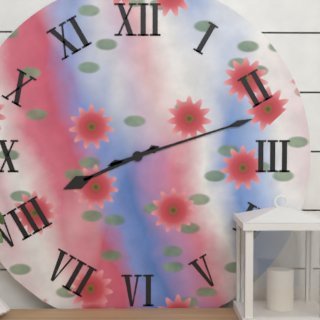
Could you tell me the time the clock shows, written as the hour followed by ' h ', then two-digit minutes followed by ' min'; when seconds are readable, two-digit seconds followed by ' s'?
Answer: 8 h 12 min
